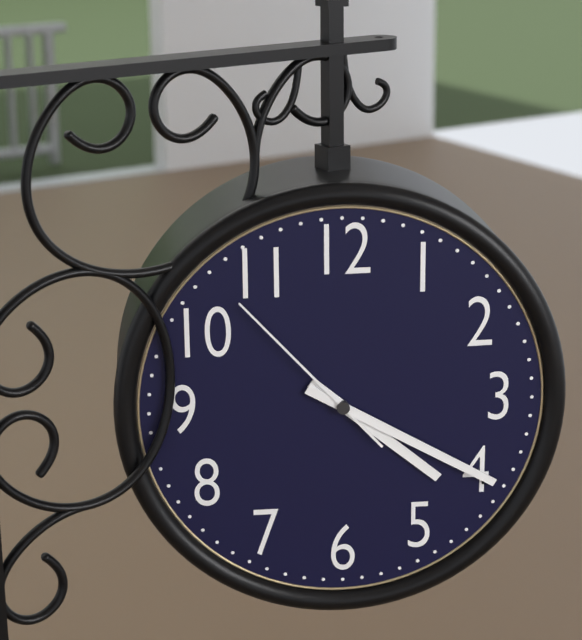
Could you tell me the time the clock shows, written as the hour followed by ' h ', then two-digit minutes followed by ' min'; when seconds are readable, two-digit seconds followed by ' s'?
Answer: 4 h 20 min 53 s
